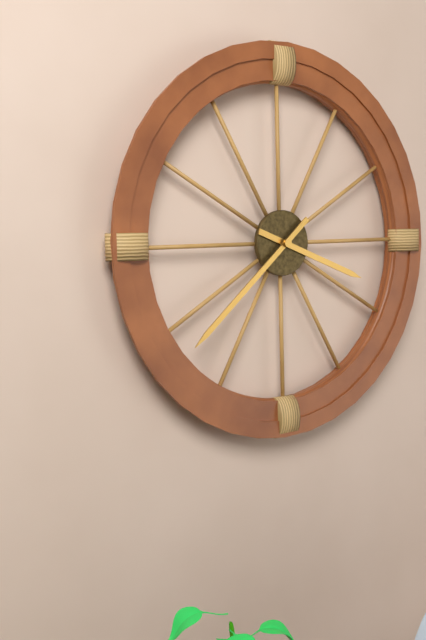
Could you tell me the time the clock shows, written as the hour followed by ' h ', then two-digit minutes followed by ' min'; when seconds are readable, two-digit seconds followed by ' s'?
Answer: 3 h 38 min
